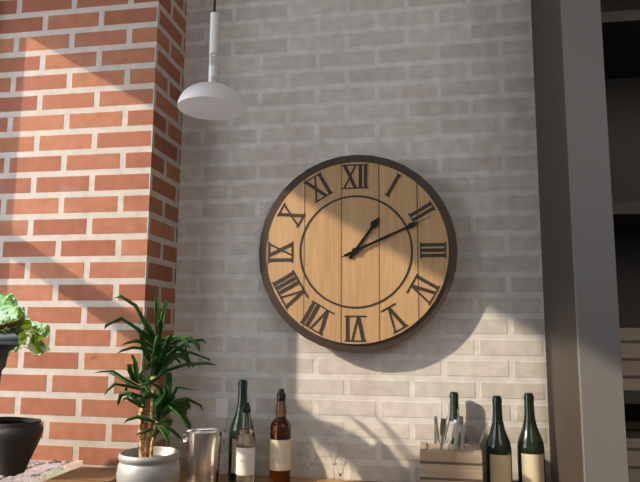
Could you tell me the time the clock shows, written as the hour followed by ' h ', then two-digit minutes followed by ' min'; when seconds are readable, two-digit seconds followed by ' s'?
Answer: 1 h 11 min 11 s
